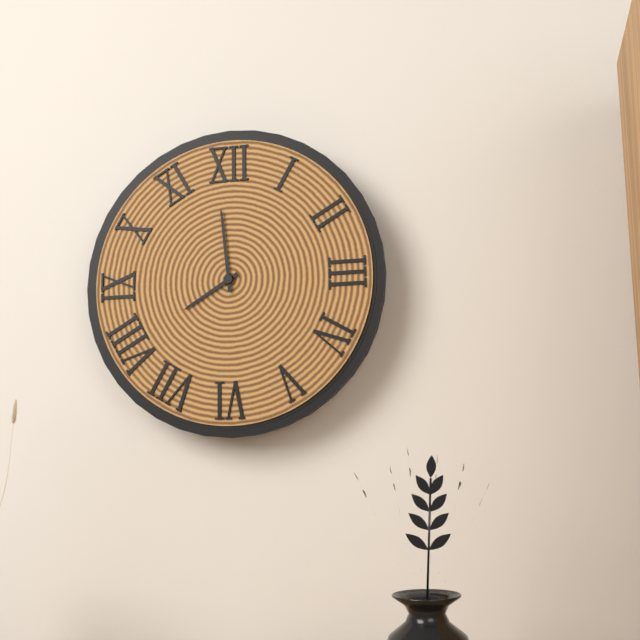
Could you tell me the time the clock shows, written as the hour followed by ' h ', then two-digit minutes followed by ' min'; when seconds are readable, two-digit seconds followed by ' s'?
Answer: 7 h 59 min
